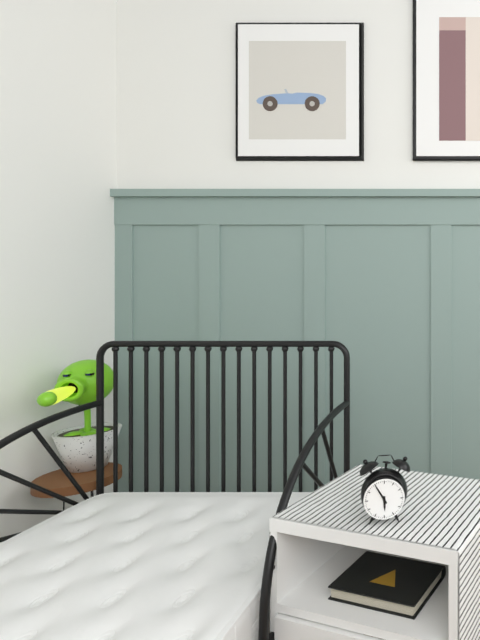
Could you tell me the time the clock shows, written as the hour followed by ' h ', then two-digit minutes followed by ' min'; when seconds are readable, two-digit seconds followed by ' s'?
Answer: 5 h 55 min
